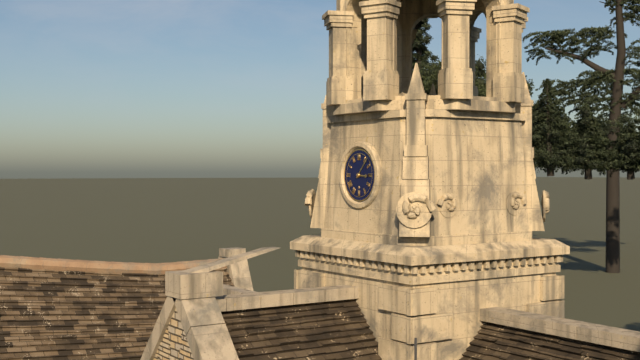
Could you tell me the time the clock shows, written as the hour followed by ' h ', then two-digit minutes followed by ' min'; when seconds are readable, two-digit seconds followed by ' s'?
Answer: 3 h 07 min
